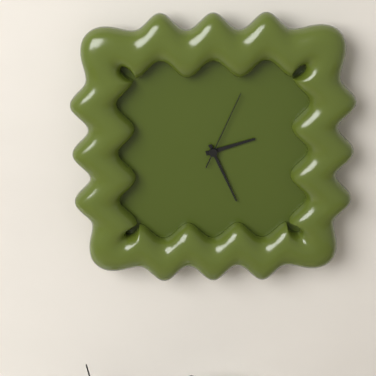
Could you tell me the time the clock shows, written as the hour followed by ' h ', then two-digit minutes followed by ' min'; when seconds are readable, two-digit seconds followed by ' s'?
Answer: 2 h 26 min 04 s
